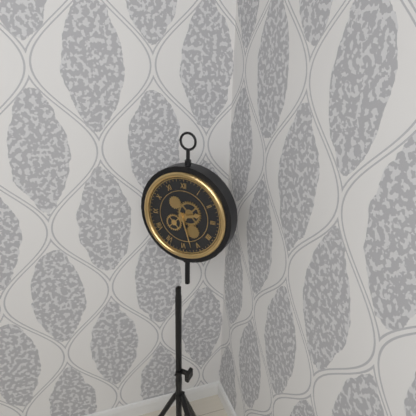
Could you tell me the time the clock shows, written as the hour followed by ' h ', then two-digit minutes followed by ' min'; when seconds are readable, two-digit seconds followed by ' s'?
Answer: 2 h 27 min
